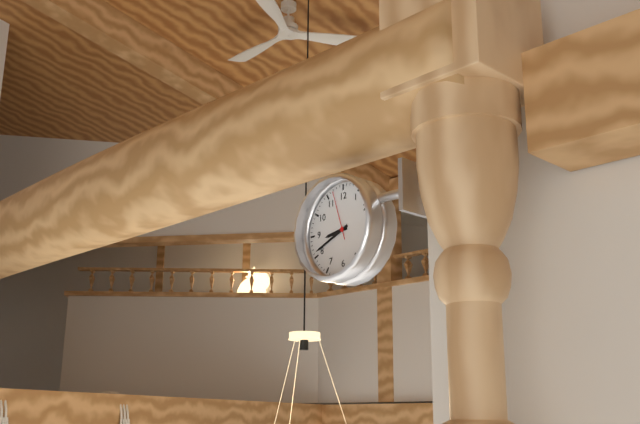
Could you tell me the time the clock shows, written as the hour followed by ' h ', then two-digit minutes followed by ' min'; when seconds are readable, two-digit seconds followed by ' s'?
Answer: 8 h 41 min
